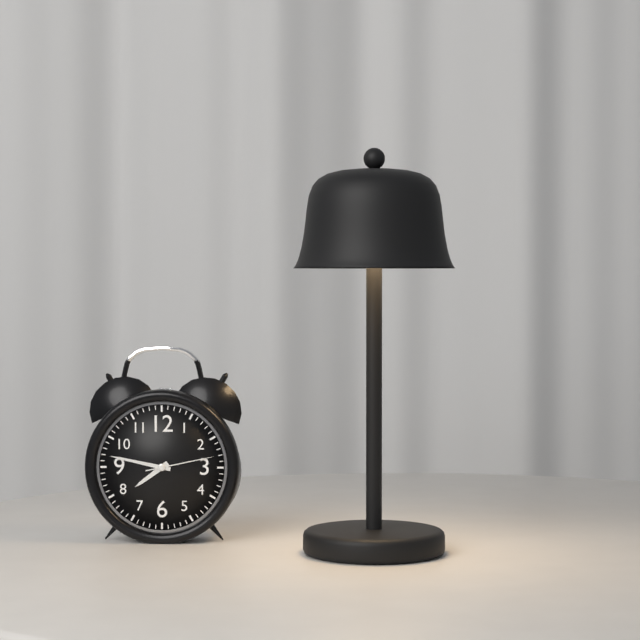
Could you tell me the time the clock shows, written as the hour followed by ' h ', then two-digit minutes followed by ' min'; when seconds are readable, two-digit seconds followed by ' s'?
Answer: 7 h 47 min 13 s
